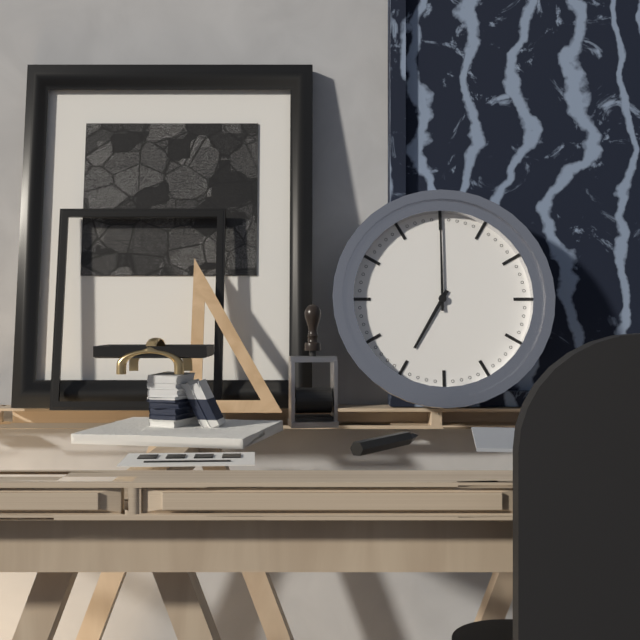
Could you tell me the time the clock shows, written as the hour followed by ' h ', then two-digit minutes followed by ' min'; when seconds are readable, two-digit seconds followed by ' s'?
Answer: 7 h 00 min
